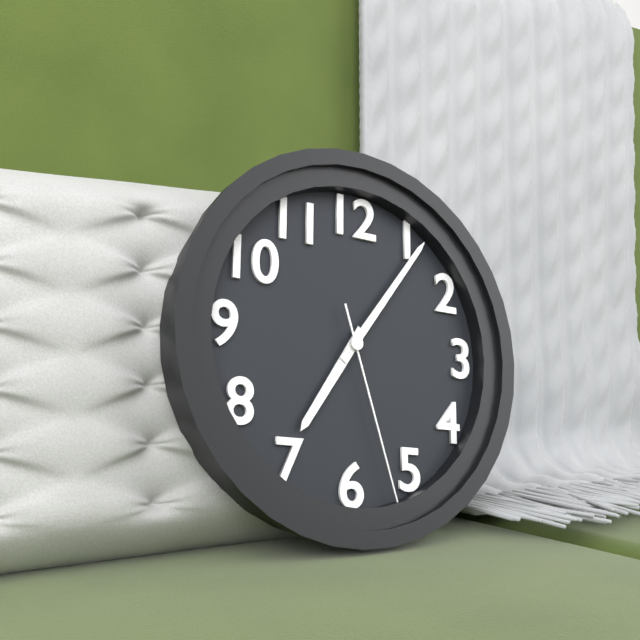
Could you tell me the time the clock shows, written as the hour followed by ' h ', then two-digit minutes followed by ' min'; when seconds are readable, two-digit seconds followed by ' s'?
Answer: 7 h 06 min 27 s
